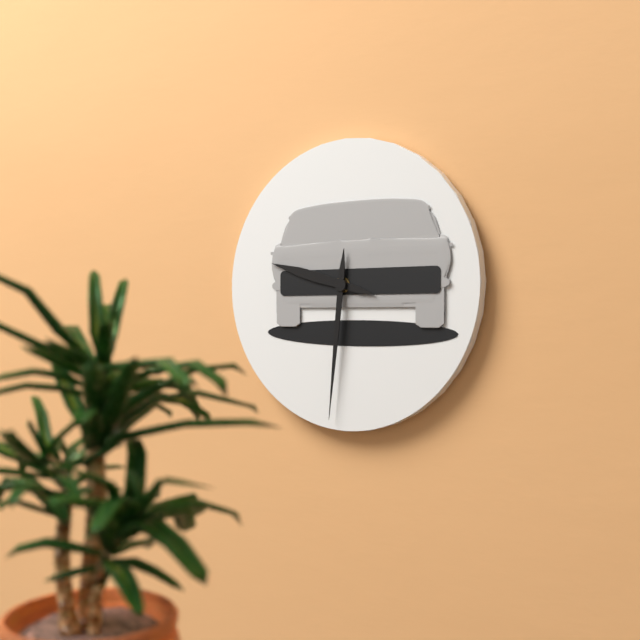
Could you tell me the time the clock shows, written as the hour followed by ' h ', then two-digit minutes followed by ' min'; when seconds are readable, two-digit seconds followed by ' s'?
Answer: 9 h 31 min
